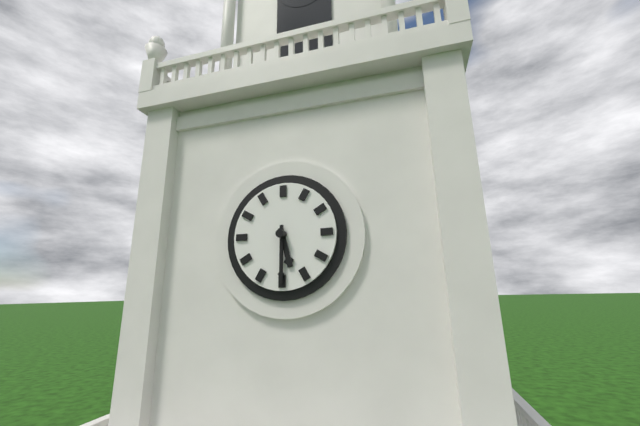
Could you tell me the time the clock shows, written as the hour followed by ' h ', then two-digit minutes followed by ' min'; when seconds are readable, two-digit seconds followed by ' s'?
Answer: 5 h 30 min
